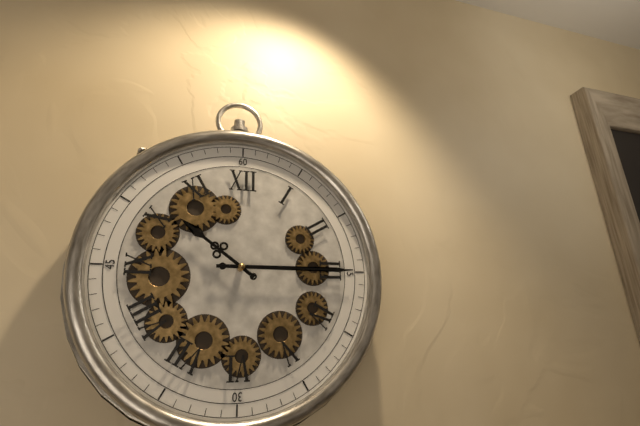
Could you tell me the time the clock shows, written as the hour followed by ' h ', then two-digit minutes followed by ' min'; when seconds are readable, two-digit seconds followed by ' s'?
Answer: 10 h 15 min
